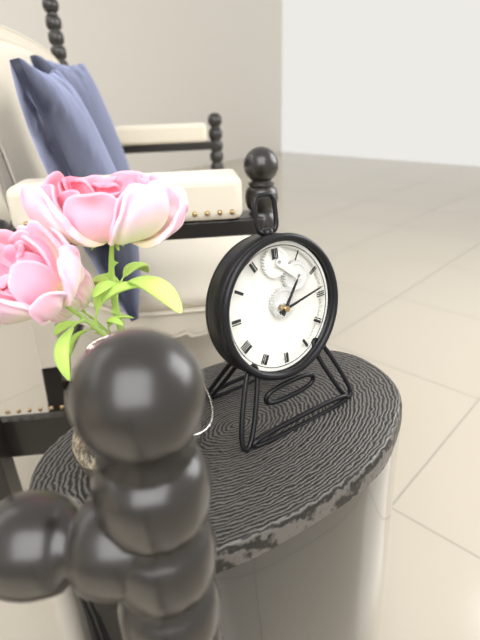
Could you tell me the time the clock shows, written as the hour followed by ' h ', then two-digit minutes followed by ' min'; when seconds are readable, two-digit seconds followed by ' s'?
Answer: 1 h 13 min
